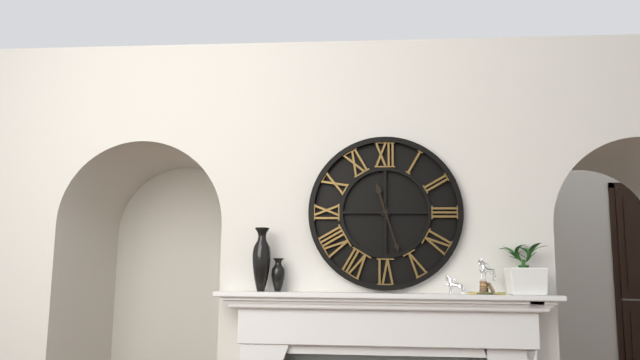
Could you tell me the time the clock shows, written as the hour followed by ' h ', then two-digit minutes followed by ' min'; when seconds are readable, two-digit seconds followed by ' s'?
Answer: 11 h 27 min
